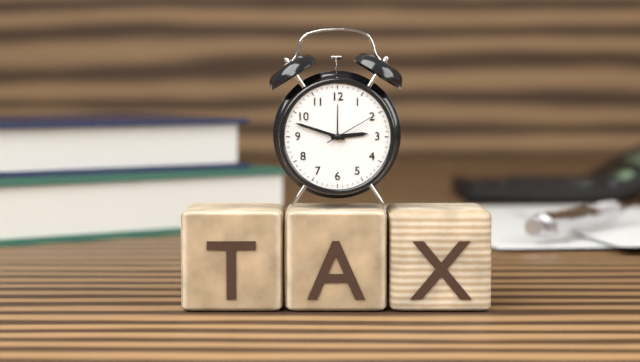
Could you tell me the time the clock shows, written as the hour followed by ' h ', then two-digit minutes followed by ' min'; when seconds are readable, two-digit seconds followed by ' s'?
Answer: 2 h 48 min 10 s
